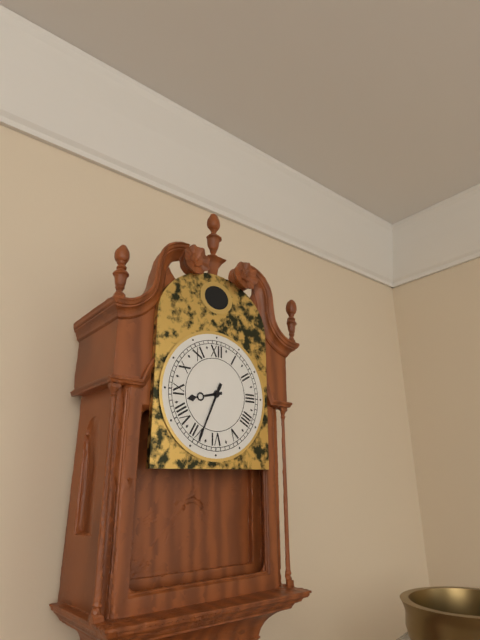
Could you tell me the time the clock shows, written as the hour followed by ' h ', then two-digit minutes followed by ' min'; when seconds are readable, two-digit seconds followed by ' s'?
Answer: 8 h 34 min
